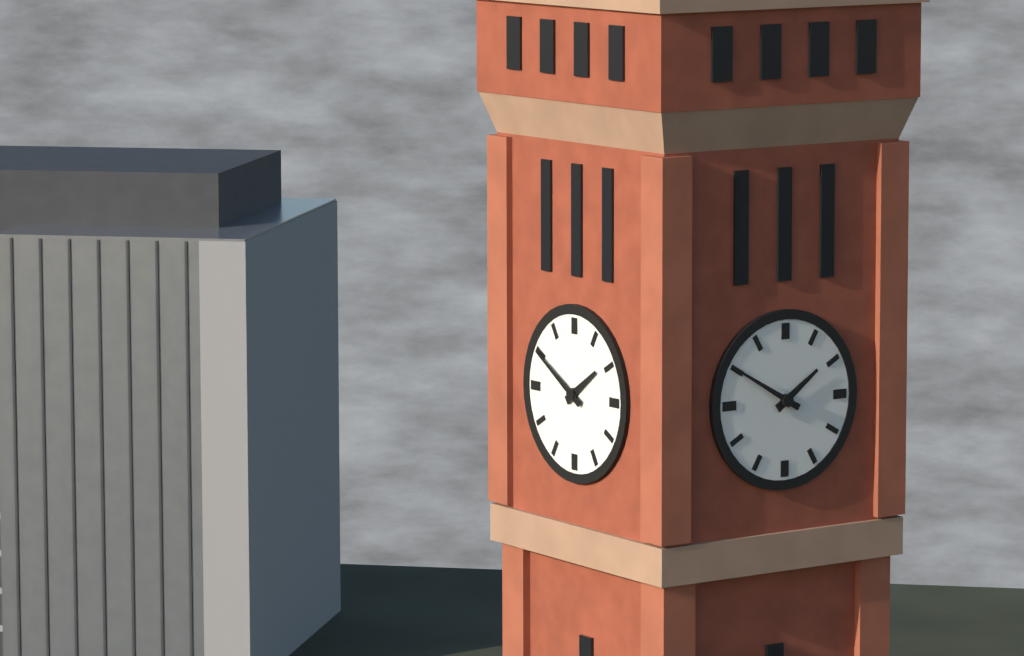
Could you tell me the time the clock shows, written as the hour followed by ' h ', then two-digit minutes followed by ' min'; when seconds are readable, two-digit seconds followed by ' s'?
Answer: 1 h 50 min
